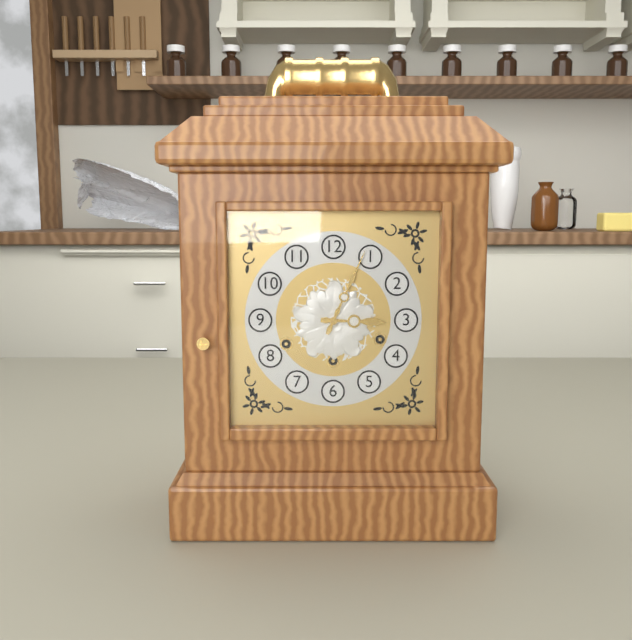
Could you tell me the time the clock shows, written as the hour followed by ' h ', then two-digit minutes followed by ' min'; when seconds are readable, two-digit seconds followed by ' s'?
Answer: 3 h 04 min
